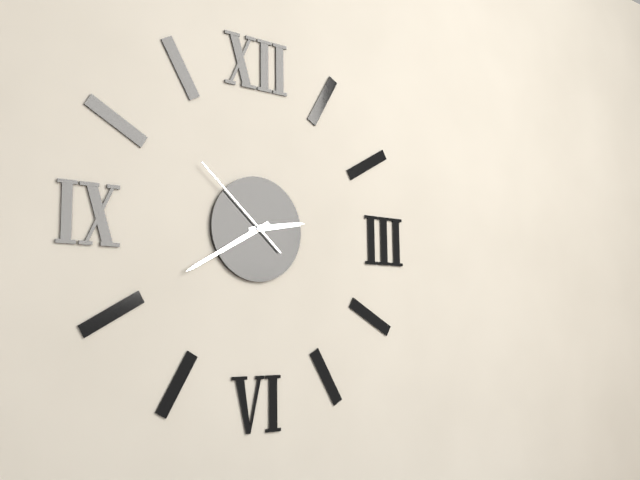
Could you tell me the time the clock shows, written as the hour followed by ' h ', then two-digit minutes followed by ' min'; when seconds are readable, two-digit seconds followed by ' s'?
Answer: 2 h 40 min 52 s
